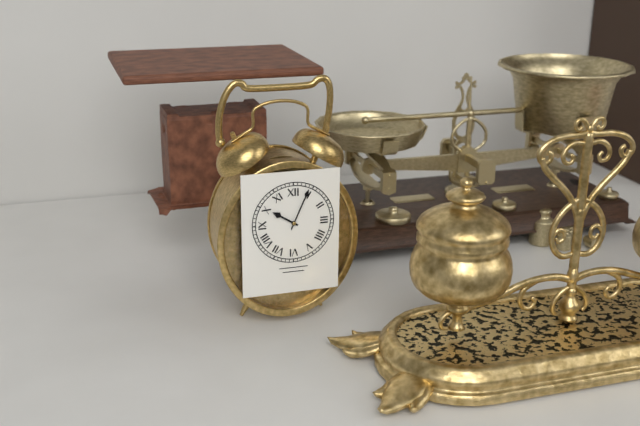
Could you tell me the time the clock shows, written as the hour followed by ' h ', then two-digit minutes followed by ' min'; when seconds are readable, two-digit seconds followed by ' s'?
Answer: 10 h 04 min
